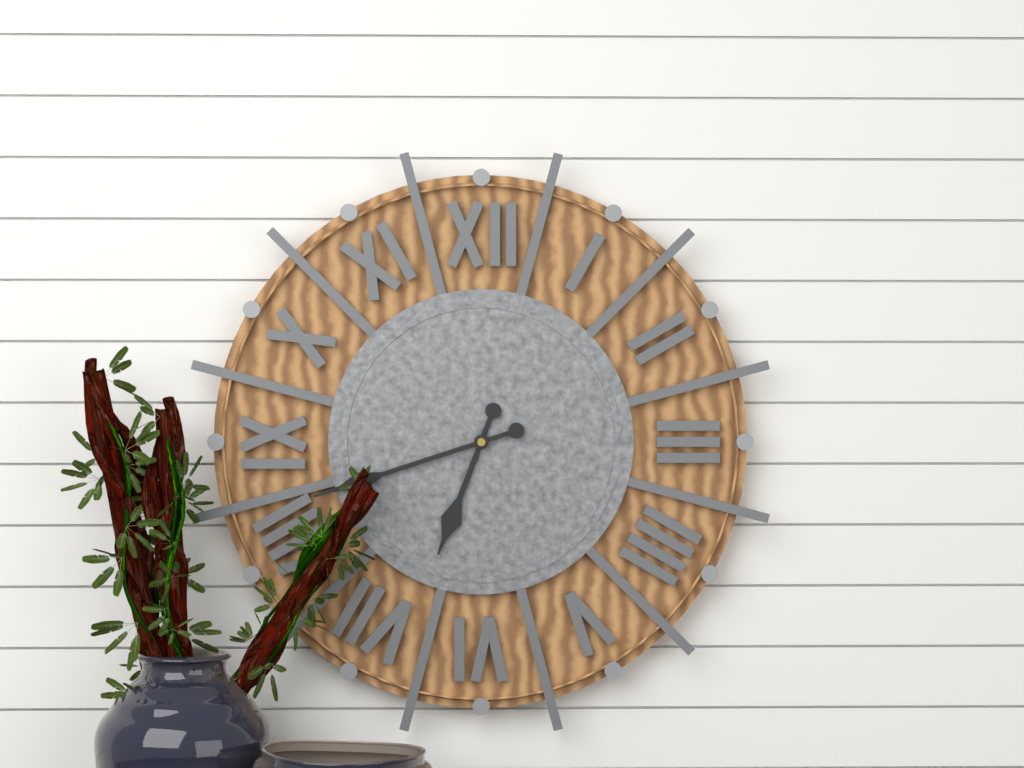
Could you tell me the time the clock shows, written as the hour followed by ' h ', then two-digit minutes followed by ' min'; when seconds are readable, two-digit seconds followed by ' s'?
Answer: 6 h 42 min
